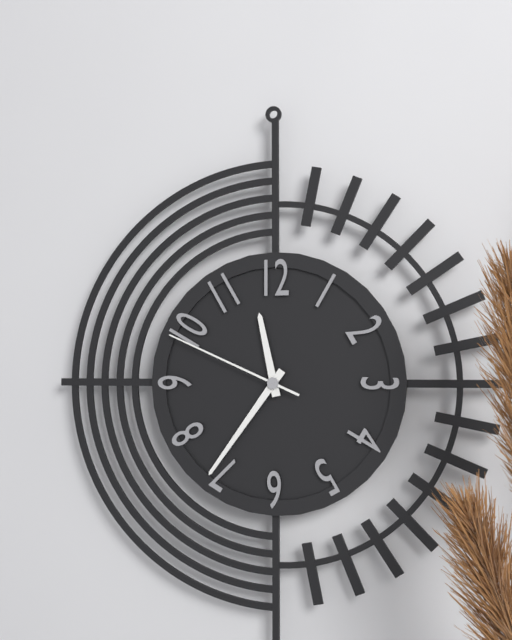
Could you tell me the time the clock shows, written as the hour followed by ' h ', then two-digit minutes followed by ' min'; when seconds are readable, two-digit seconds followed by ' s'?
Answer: 11 h 36 min 49 s
